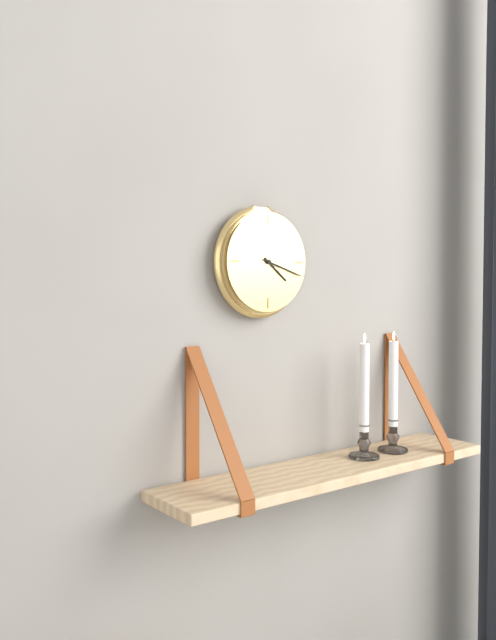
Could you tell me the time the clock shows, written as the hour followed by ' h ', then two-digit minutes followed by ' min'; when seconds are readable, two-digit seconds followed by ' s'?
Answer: 4 h 18 min
